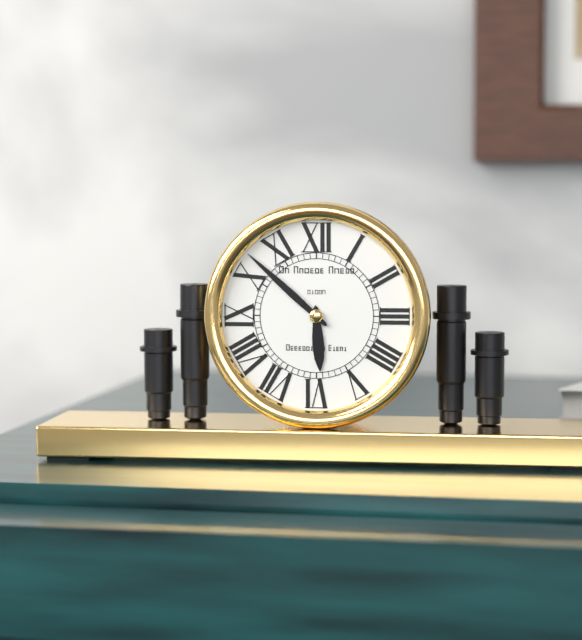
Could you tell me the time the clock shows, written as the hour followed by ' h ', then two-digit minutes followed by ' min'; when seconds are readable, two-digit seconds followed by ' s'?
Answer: 5 h 52 min
